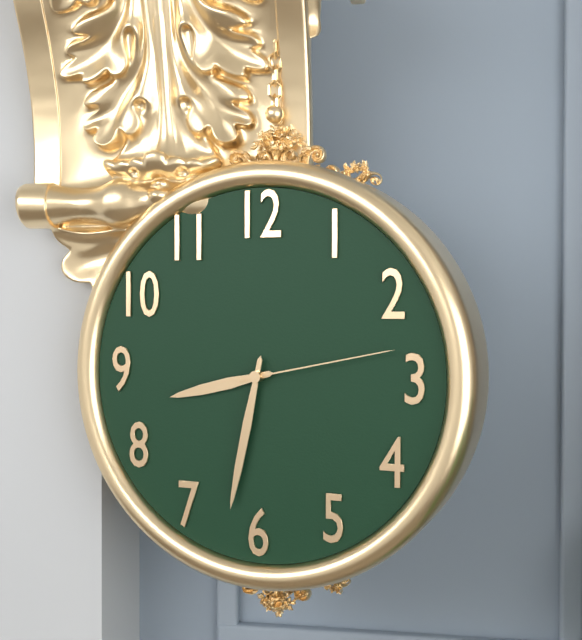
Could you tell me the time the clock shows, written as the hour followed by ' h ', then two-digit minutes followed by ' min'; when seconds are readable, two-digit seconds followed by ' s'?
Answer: 8 h 32 min 13 s
